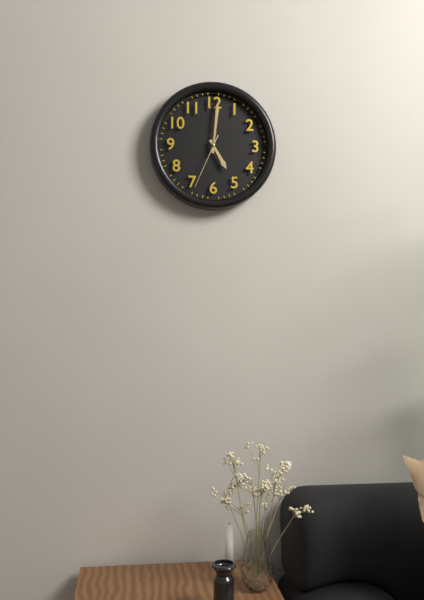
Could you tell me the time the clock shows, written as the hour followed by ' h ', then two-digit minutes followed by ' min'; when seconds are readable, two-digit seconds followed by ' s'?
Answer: 5 h 01 min 34 s
